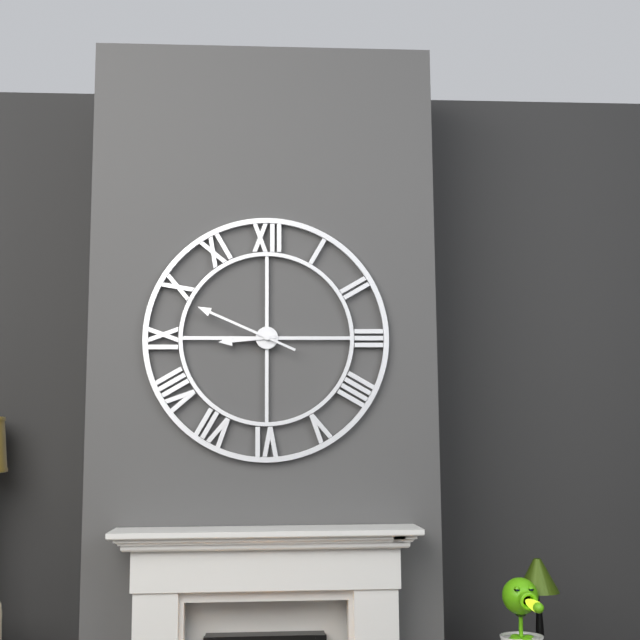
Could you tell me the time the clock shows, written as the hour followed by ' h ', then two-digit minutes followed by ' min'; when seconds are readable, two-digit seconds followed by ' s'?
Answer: 8 h 49 min
